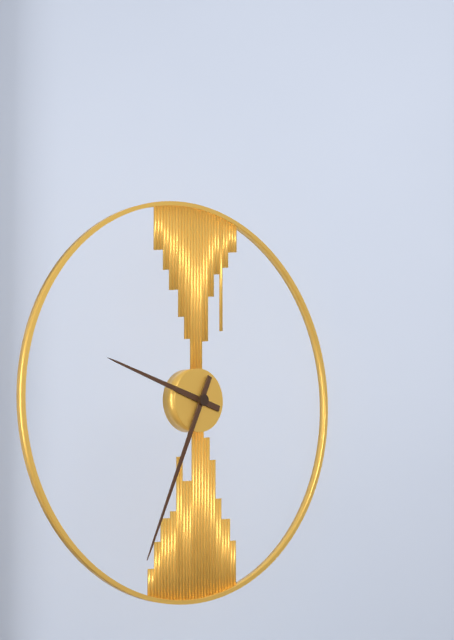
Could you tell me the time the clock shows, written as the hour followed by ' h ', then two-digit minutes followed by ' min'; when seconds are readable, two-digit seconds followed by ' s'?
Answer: 9 h 34 min
